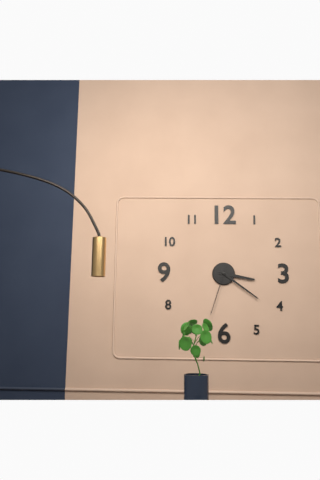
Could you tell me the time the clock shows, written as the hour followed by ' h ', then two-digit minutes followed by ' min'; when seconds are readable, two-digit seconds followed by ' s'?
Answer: 3 h 21 min 33 s
